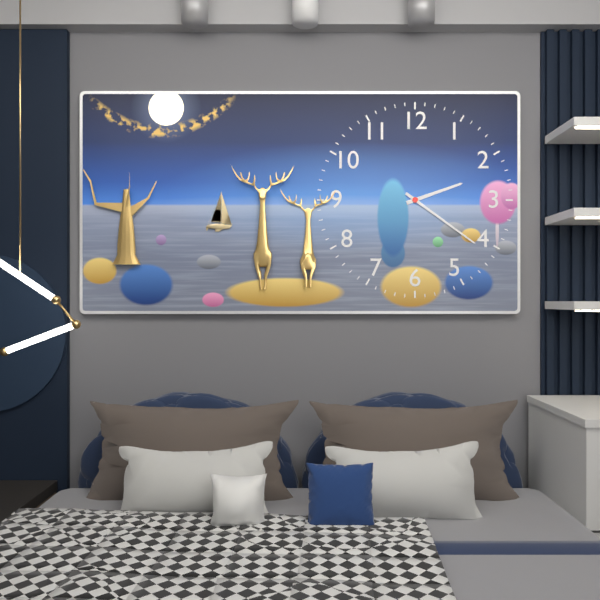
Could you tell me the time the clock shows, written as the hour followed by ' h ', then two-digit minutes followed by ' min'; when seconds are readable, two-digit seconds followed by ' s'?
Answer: 2 h 21 min
